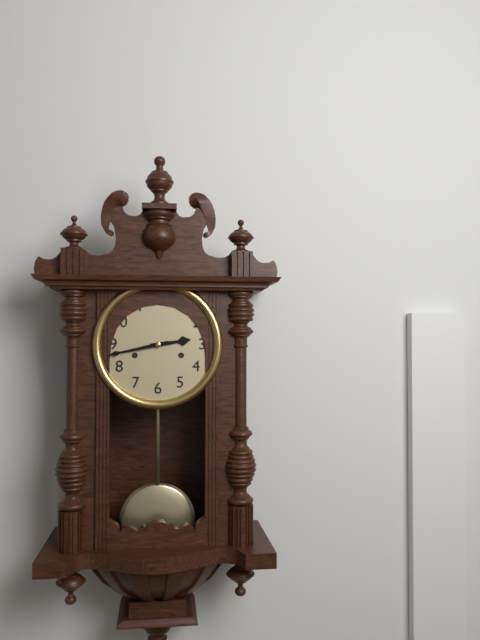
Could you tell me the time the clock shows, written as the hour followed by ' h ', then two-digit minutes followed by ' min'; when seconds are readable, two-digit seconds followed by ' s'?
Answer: 2 h 43 min
